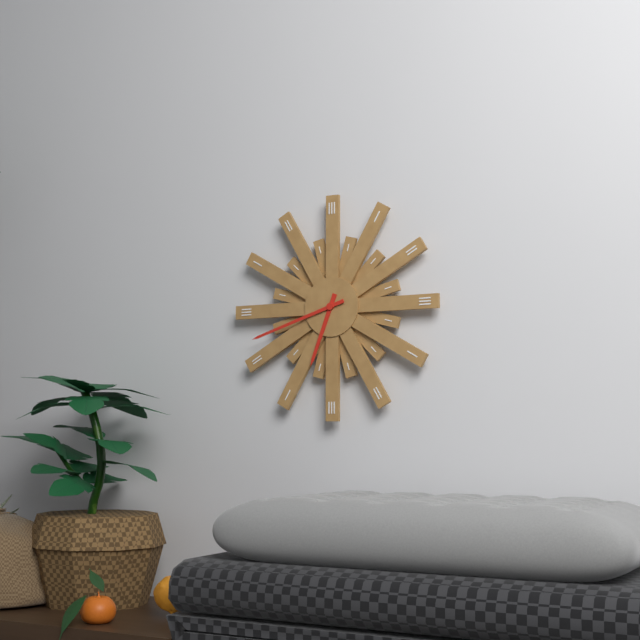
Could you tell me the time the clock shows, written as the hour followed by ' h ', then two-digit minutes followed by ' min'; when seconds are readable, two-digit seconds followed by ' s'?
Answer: 6 h 42 min
